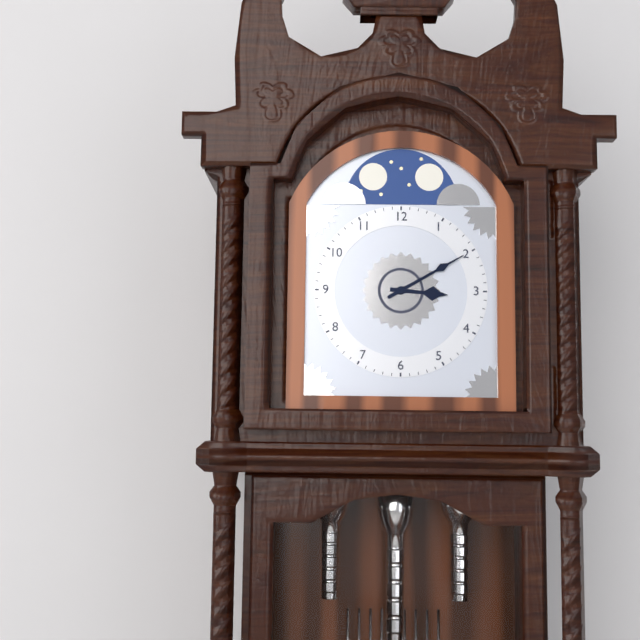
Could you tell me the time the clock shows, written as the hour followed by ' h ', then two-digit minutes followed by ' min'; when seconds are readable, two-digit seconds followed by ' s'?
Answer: 3 h 10 min
